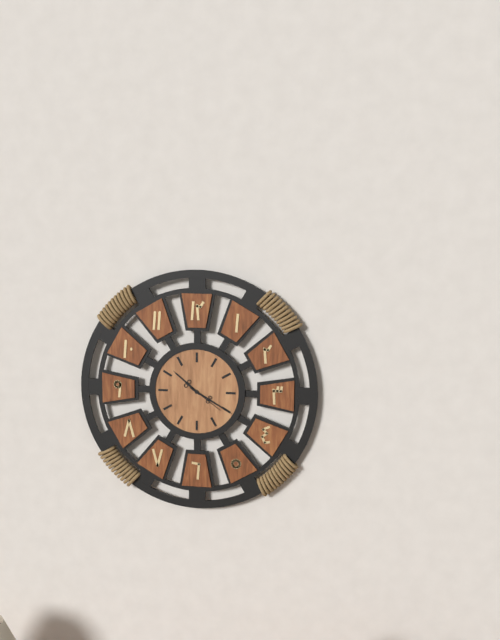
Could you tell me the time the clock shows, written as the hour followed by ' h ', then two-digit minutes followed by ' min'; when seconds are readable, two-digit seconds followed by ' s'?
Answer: 10 h 20 min
